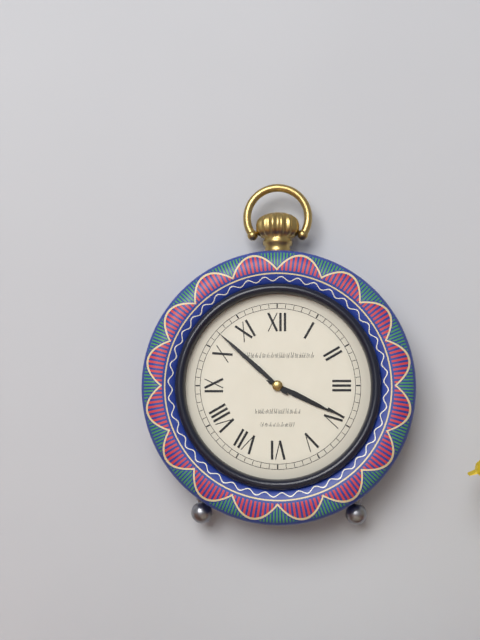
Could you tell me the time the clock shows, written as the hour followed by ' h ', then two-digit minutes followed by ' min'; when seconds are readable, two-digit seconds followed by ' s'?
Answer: 3 h 52 min
